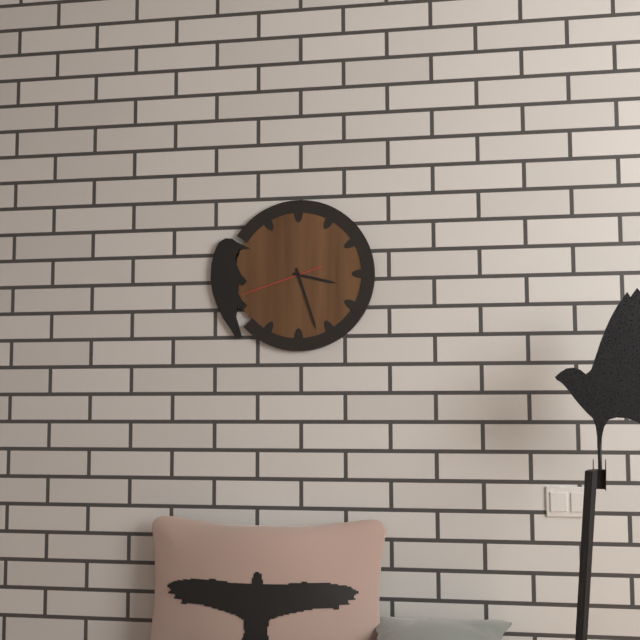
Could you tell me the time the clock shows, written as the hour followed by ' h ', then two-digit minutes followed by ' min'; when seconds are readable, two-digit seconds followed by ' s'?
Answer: 3 h 27 min 42 s
